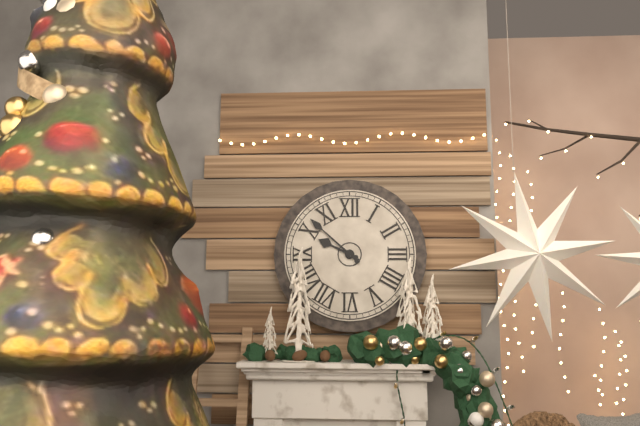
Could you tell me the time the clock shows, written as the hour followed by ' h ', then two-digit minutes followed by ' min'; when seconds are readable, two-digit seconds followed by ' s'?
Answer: 9 h 52 min
